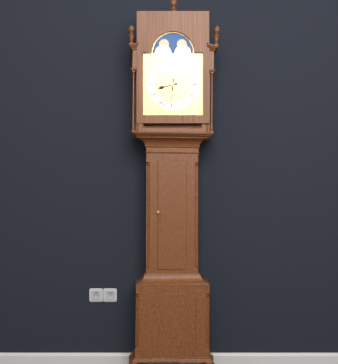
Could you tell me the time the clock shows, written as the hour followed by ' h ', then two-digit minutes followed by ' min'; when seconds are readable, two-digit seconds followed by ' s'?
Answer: 8 h 31 min
